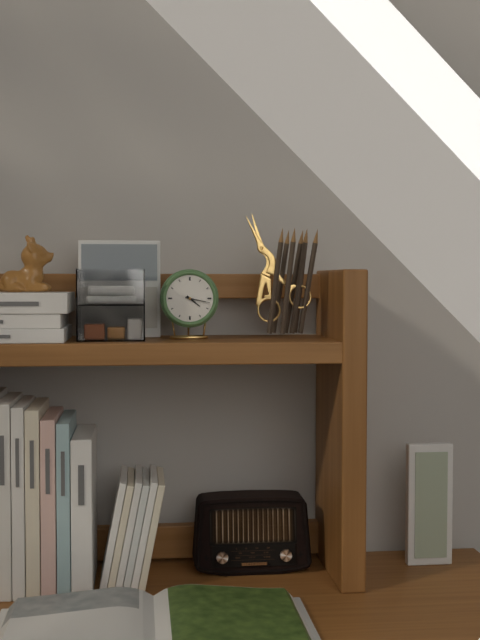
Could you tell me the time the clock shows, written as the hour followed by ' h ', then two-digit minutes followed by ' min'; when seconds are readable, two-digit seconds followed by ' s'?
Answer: 4 h 17 min
